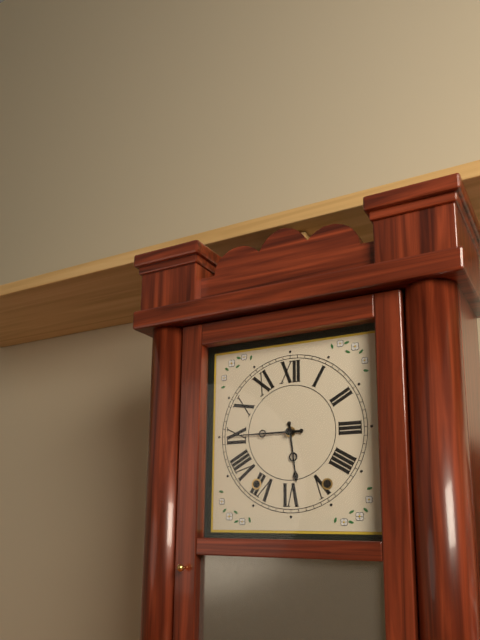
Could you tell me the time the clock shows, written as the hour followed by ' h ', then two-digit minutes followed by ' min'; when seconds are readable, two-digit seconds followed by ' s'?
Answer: 5 h 45 min
